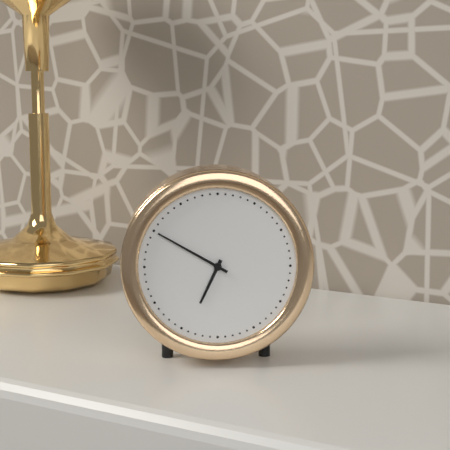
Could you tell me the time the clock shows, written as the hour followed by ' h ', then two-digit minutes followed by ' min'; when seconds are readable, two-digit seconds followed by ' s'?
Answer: 6 h 50 min
